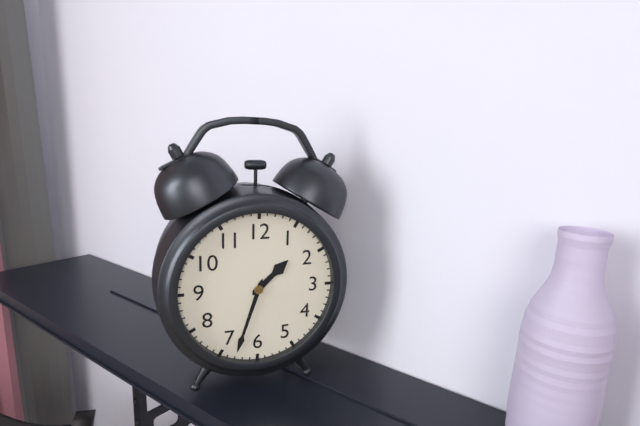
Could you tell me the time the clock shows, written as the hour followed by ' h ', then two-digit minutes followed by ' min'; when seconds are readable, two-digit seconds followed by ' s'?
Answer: 1 h 33 min
